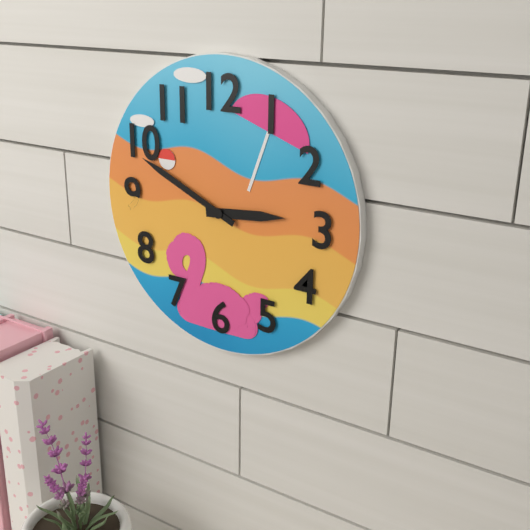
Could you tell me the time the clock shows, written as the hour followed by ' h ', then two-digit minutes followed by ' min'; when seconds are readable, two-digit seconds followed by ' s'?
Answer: 2 h 49 min
